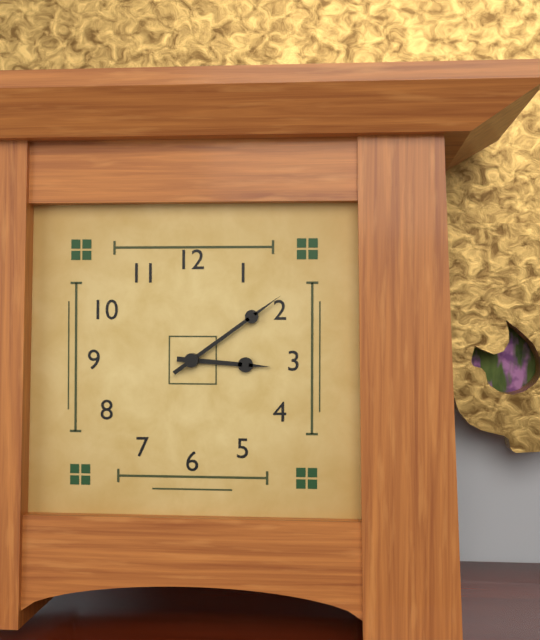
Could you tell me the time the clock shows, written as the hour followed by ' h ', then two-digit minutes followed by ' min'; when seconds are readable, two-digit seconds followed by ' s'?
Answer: 3 h 09 min
